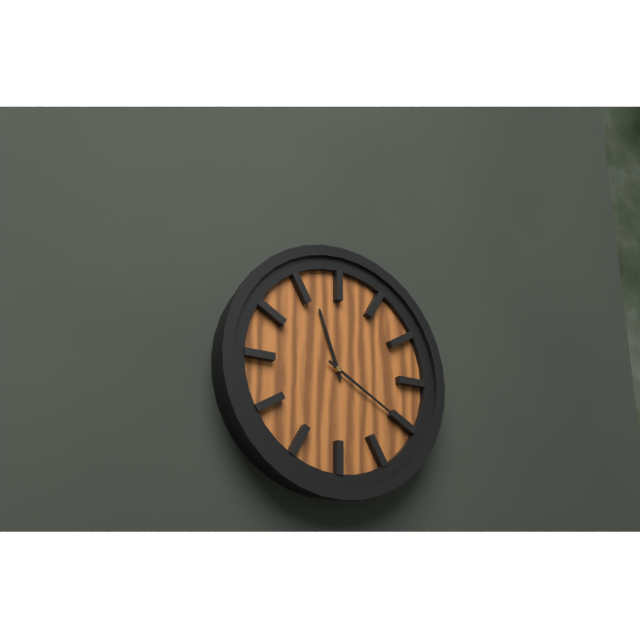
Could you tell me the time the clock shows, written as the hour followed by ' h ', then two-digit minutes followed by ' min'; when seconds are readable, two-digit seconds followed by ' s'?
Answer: 11 h 20 min
